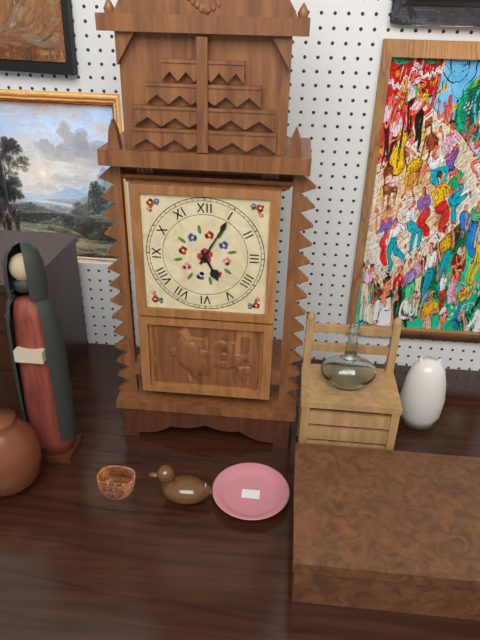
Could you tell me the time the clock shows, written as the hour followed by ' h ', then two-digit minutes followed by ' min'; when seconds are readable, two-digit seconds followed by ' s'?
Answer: 5 h 05 min
